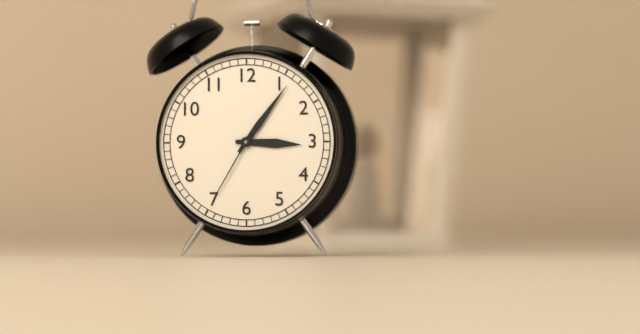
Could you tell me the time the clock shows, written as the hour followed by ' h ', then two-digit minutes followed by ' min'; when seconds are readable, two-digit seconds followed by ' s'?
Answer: 3 h 06 min 35 s
